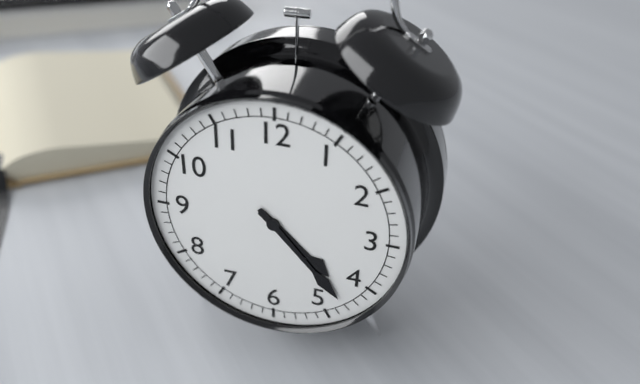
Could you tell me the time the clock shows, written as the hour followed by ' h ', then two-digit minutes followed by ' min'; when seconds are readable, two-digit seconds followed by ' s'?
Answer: 4 h 23 min
